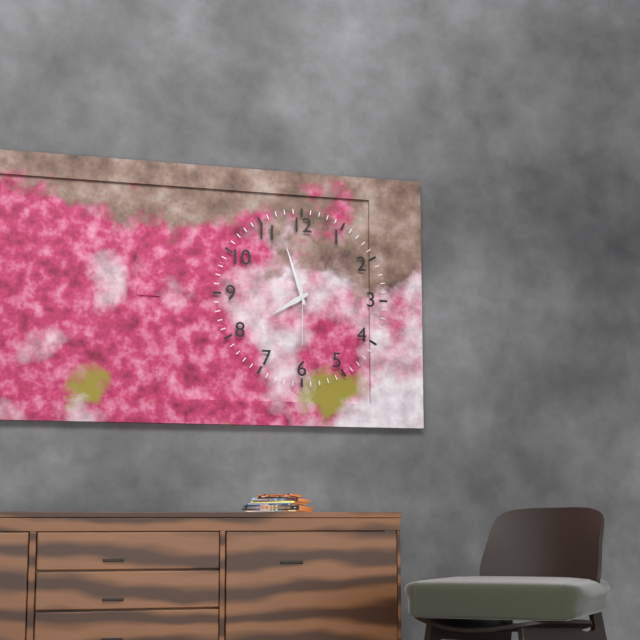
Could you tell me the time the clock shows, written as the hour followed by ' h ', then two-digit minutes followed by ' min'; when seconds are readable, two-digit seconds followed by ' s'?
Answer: 7 h 57 min 30 s
